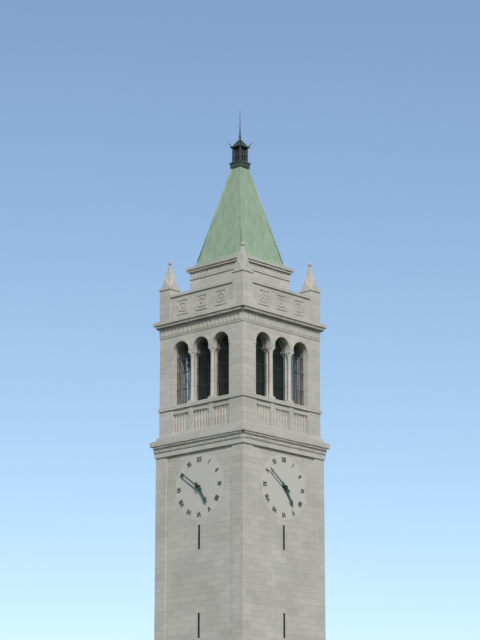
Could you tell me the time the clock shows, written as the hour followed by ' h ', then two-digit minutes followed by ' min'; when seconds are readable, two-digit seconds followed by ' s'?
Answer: 4 h 51 min
